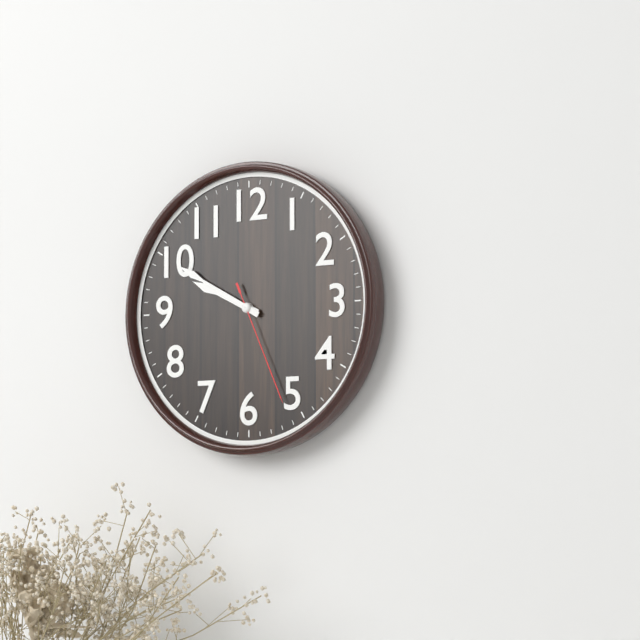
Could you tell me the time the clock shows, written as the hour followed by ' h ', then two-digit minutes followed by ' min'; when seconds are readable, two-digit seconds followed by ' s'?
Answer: 9 h 50 min 26 s
